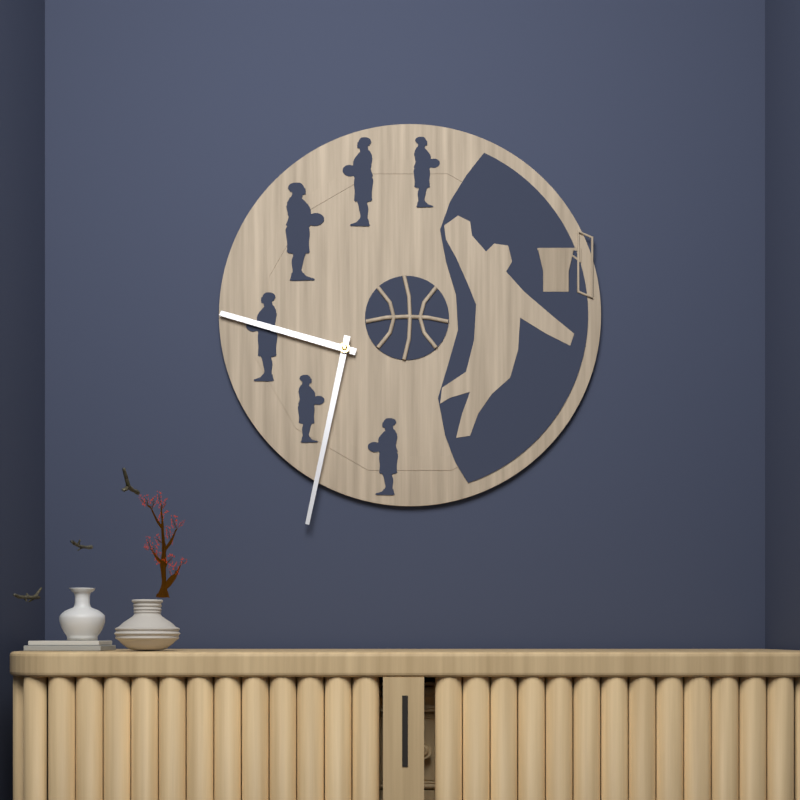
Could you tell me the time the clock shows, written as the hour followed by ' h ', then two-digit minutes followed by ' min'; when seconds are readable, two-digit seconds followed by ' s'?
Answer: 9 h 32 min
